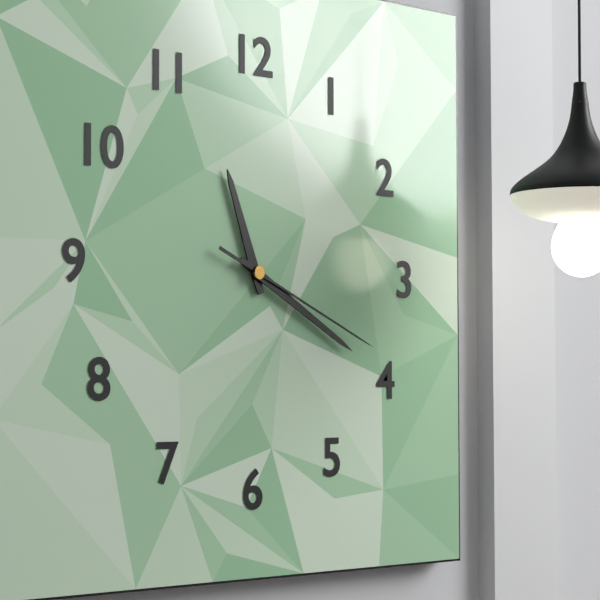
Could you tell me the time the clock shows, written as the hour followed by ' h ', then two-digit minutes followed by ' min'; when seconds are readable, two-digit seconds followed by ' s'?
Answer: 11 h 20 min 19 s
